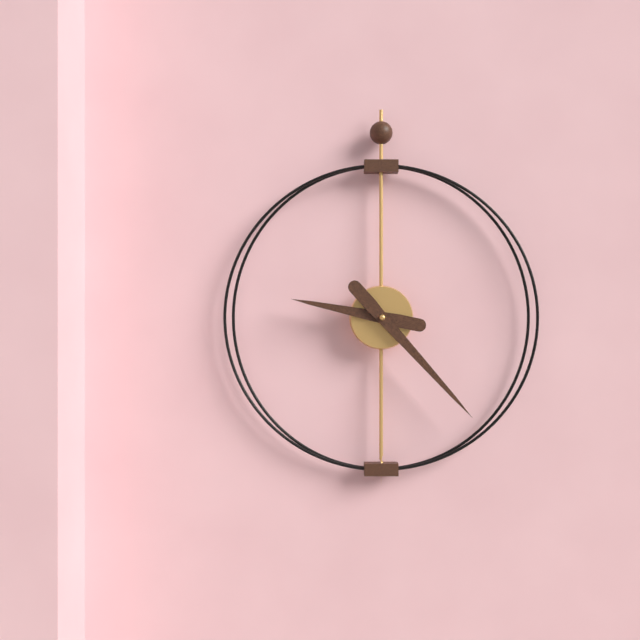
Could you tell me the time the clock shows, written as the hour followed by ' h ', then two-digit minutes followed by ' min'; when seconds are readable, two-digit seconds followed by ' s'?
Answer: 9 h 23 min
